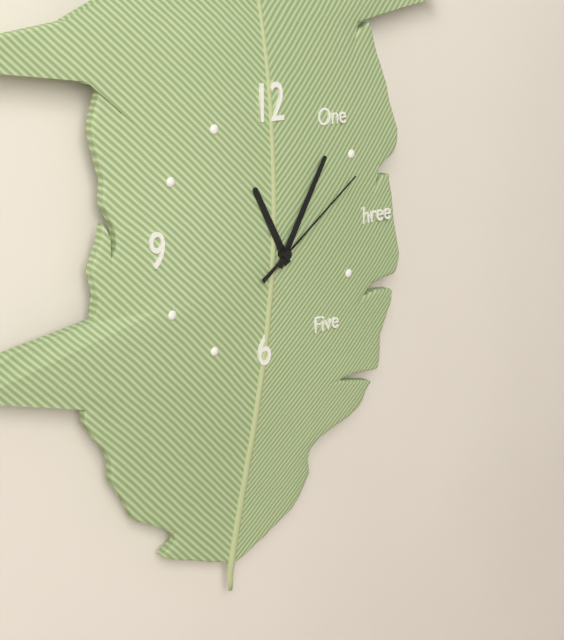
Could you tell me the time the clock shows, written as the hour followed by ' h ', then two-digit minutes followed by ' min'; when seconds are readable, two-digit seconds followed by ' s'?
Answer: 11 h 05 min 09 s
